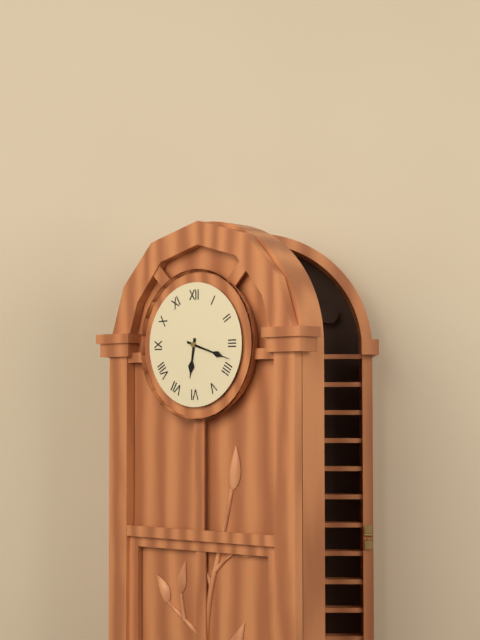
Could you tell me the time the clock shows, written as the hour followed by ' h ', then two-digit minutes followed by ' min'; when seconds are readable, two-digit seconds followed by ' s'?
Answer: 6 h 18 min
